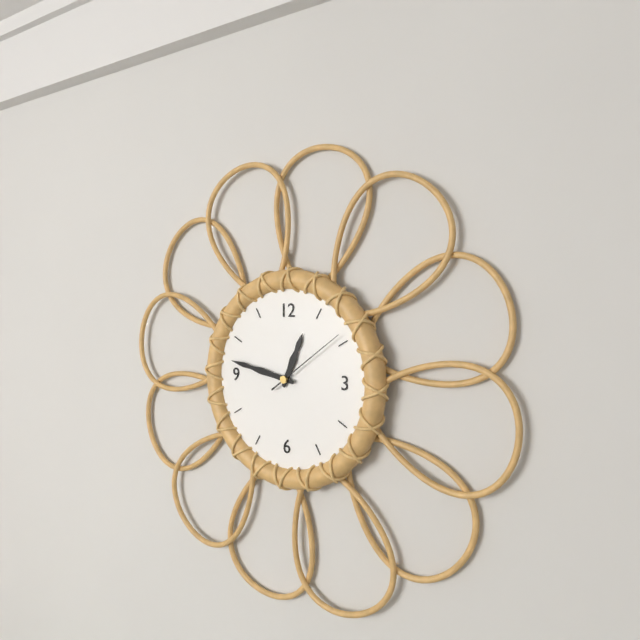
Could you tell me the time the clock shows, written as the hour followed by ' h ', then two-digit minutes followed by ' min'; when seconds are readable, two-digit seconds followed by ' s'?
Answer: 12 h 47 min 09 s
